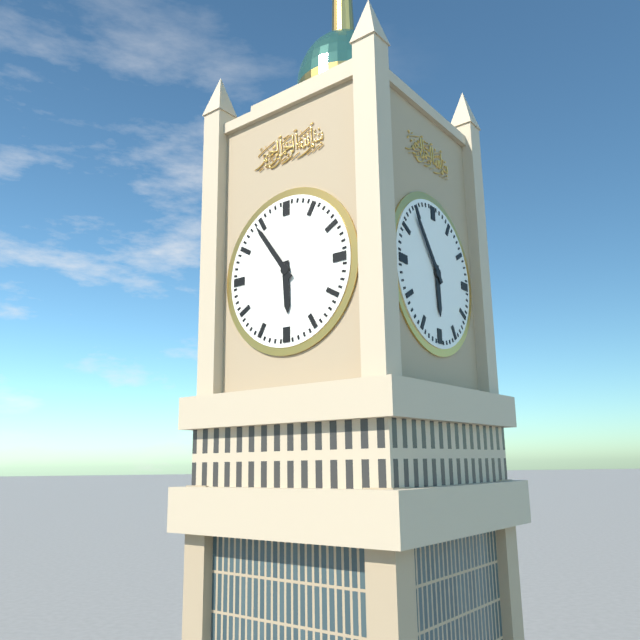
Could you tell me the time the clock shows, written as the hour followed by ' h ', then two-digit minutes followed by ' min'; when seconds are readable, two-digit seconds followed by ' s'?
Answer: 5 h 54 min
